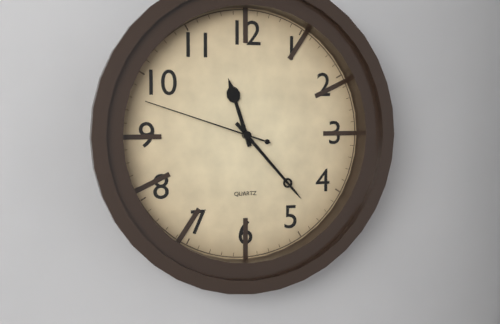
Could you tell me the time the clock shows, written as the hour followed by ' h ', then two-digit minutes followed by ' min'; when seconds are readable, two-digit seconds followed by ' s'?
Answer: 11 h 23 min 48 s
